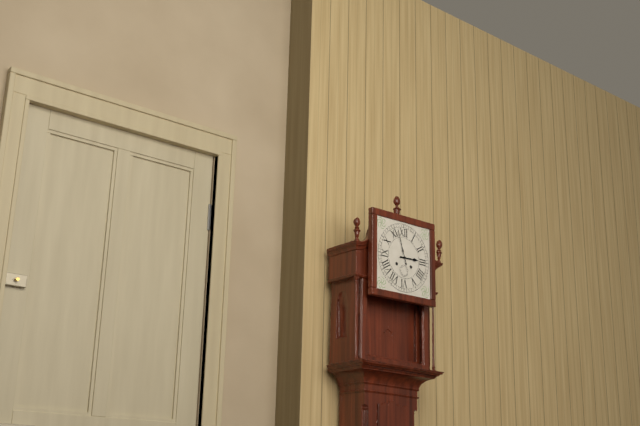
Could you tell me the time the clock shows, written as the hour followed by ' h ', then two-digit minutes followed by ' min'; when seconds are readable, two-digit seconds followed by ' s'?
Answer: 2 h 57 min
